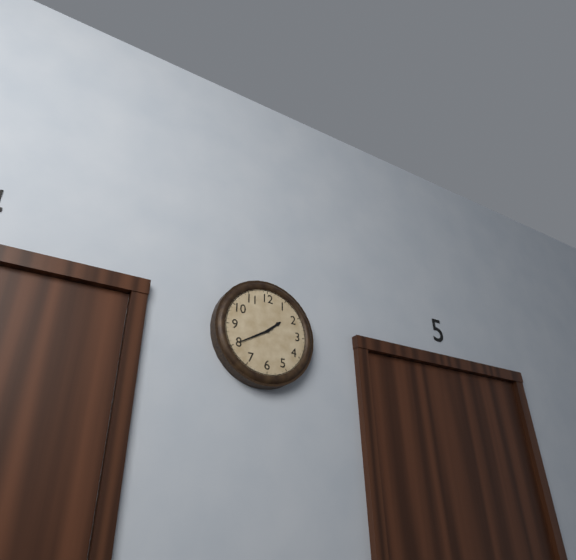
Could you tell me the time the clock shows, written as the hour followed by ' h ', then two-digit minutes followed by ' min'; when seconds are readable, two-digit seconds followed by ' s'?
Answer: 1 h 40 min
